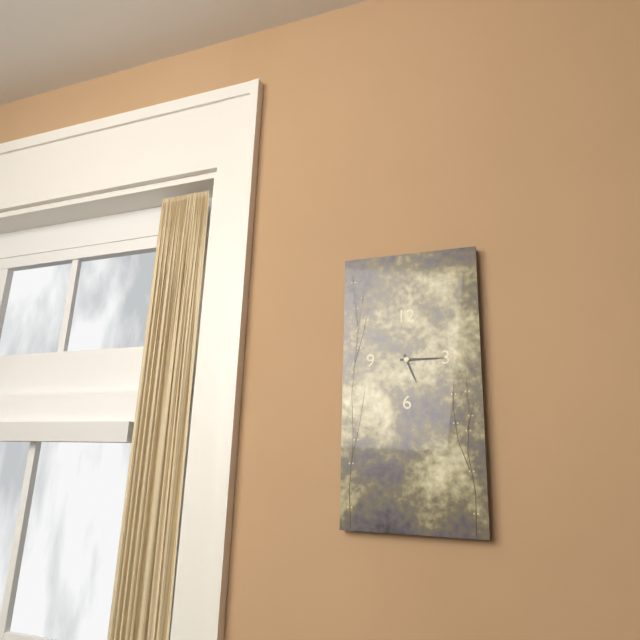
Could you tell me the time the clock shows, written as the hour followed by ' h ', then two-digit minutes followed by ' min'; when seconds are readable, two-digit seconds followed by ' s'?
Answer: 5 h 15 min
